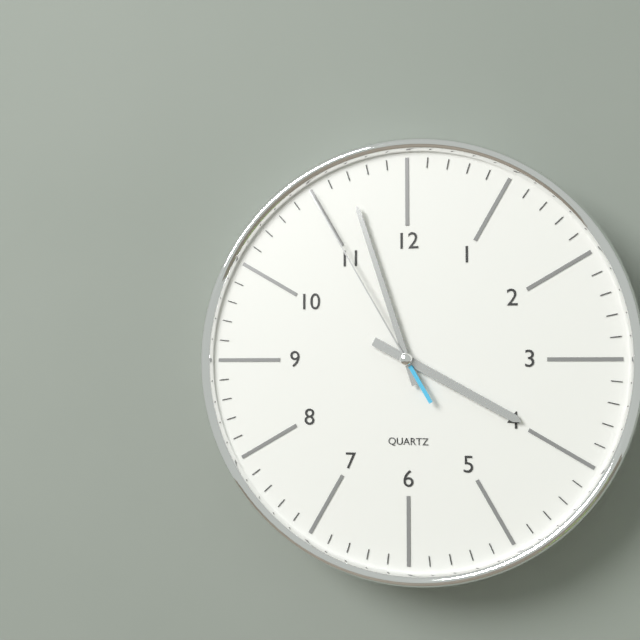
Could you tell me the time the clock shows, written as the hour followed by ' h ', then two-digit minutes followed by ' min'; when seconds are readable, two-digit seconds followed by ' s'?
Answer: 3 h 57 min 55 s
